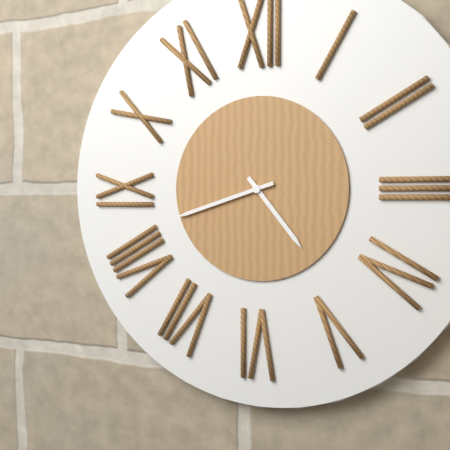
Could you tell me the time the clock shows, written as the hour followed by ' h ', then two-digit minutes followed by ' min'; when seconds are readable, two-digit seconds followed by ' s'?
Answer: 4 h 42 min
